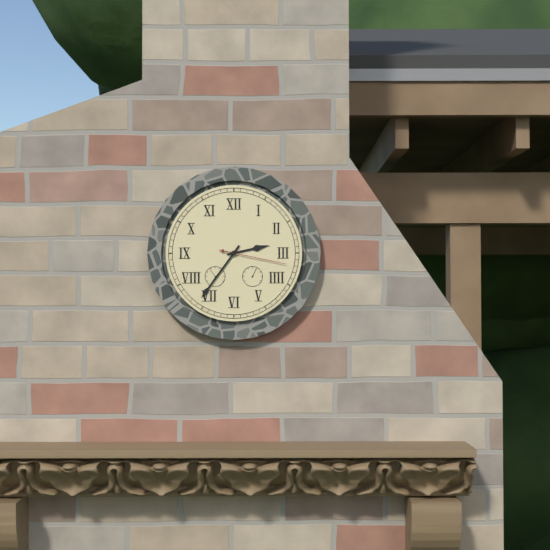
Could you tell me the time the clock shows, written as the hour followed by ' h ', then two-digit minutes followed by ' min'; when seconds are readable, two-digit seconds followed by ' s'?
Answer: 2 h 36 min 17 s
